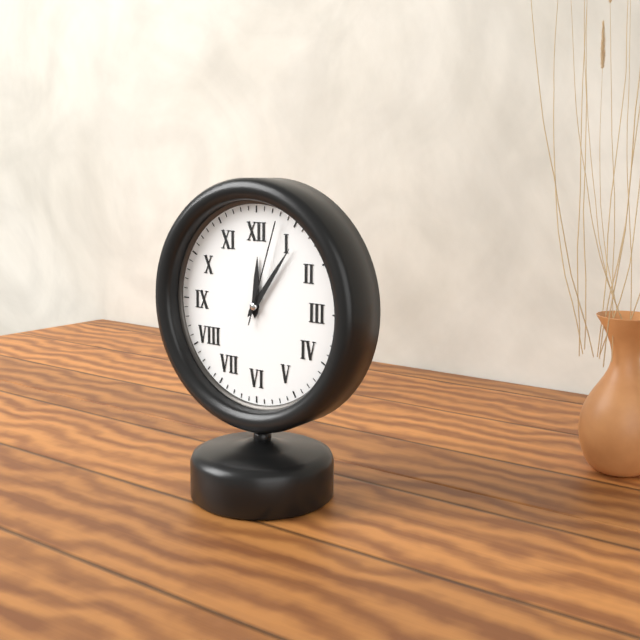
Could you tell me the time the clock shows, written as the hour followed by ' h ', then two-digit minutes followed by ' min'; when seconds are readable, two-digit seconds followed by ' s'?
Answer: 12 h 06 min 03 s
